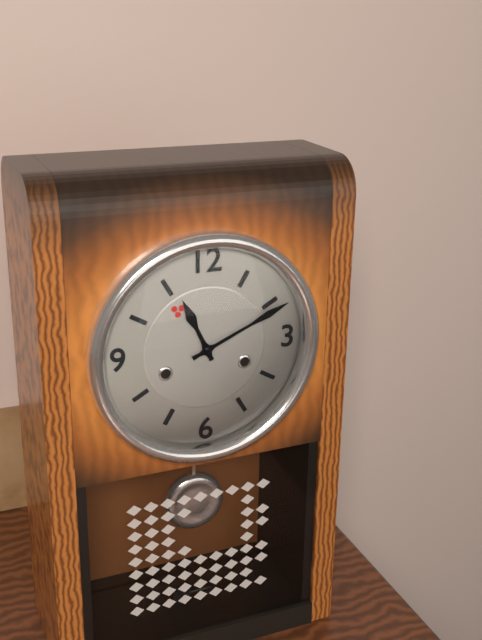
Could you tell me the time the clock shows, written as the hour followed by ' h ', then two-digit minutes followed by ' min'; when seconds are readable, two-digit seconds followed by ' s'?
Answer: 11 h 11 min
